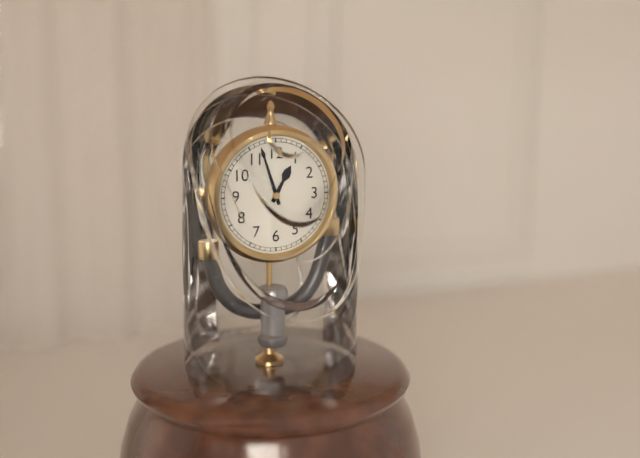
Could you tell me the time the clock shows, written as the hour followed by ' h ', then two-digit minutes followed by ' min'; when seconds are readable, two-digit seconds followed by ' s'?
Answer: 12 h 57 min
